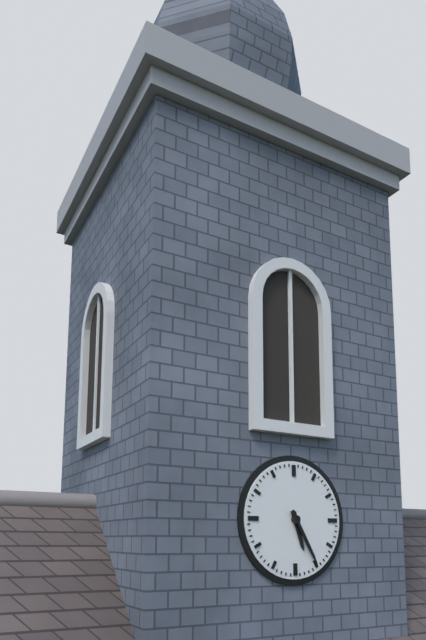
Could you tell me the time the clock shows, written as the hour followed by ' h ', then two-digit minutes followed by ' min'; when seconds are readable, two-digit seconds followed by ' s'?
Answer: 5 h 25 min
